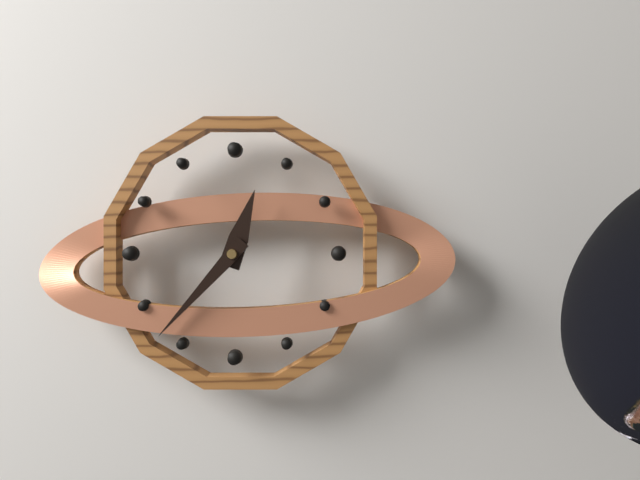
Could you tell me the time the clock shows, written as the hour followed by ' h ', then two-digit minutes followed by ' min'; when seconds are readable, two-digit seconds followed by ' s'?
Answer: 12 h 37 min
